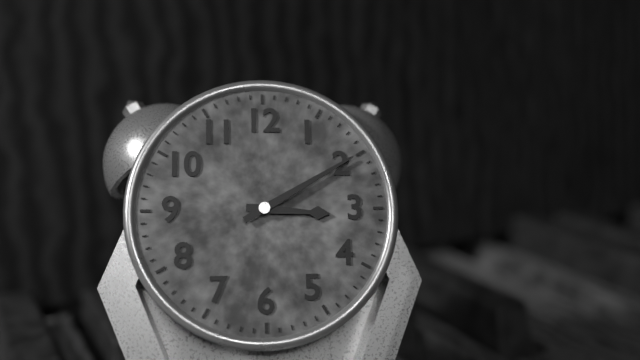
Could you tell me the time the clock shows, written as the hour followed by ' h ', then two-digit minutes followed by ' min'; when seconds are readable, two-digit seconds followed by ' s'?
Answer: 3 h 10 min
